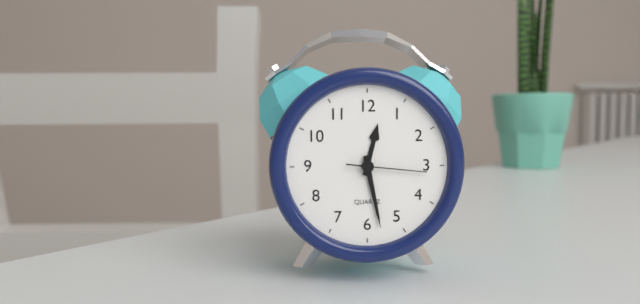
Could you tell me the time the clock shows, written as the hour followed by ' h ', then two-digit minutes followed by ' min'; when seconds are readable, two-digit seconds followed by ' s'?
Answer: 12 h 28 min 16 s
